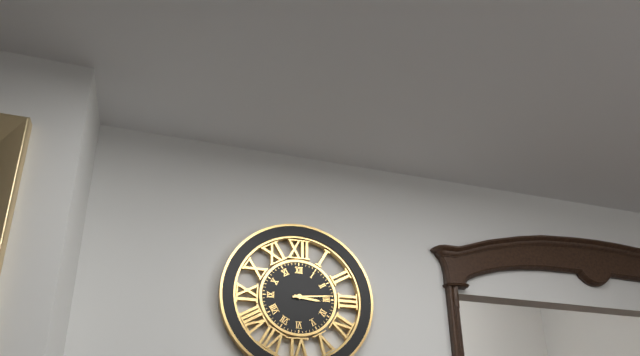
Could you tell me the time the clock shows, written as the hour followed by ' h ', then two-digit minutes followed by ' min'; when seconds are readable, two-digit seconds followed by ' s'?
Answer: 3 h 14 min
